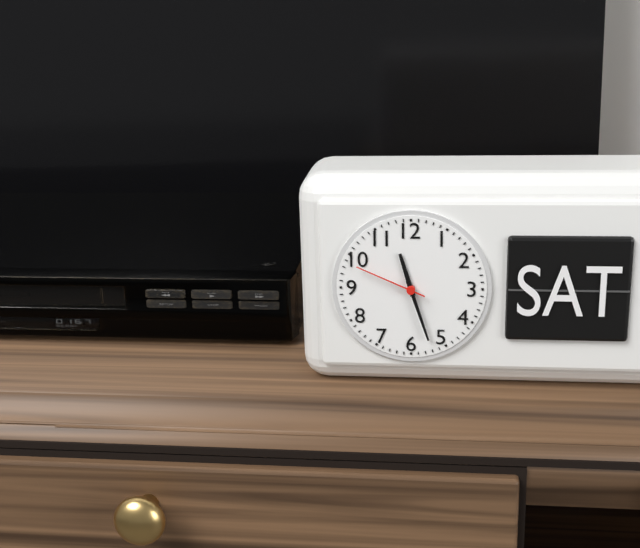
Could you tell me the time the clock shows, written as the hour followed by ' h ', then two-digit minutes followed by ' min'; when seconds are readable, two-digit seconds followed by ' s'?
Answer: 11 h 27 min 49 s
